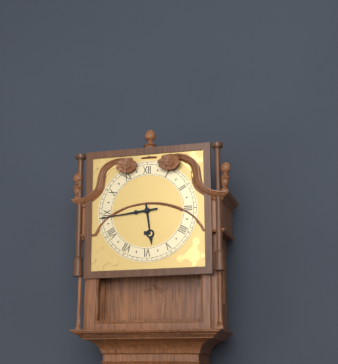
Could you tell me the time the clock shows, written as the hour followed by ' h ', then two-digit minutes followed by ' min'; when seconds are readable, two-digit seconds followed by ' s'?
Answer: 5 h 44 min
